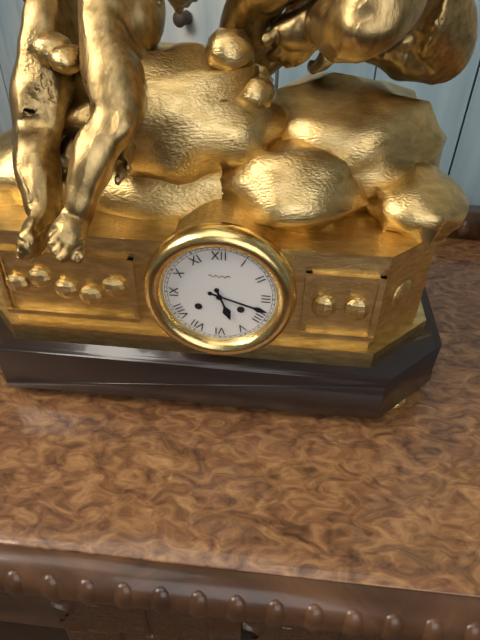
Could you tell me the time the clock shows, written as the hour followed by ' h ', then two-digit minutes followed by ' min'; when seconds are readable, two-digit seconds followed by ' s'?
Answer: 5 h 18 min
